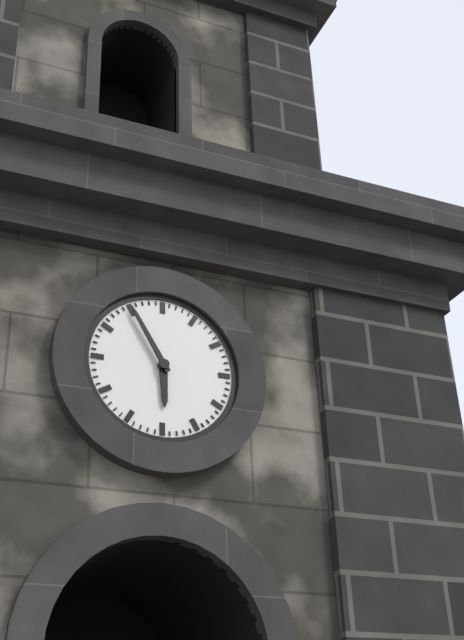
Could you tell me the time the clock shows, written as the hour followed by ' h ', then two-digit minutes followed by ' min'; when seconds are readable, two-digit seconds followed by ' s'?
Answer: 5 h 55 min
